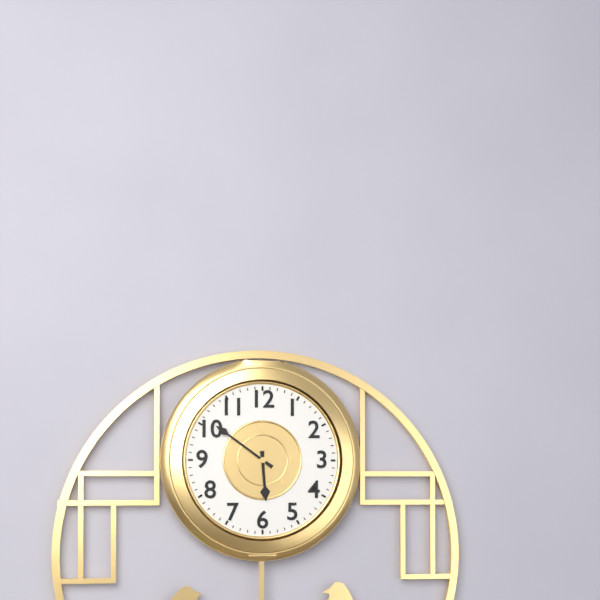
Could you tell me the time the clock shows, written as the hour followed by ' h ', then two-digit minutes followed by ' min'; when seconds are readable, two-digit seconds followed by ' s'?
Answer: 5 h 51 min
